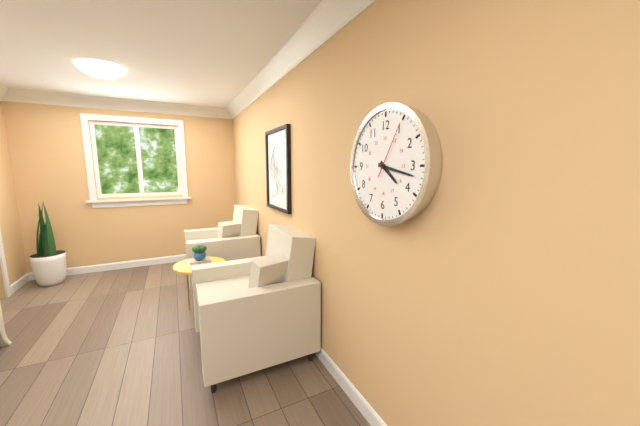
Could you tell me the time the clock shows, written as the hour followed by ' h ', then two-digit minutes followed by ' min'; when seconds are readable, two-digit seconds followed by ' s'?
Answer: 4 h 17 min 05 s
